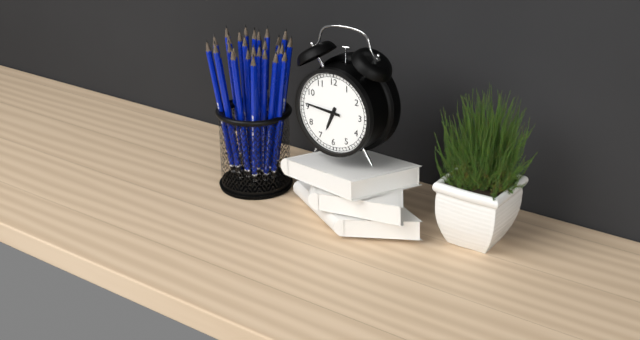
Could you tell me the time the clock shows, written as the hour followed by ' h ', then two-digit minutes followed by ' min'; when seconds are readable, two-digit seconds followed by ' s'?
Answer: 6 h 46 min
